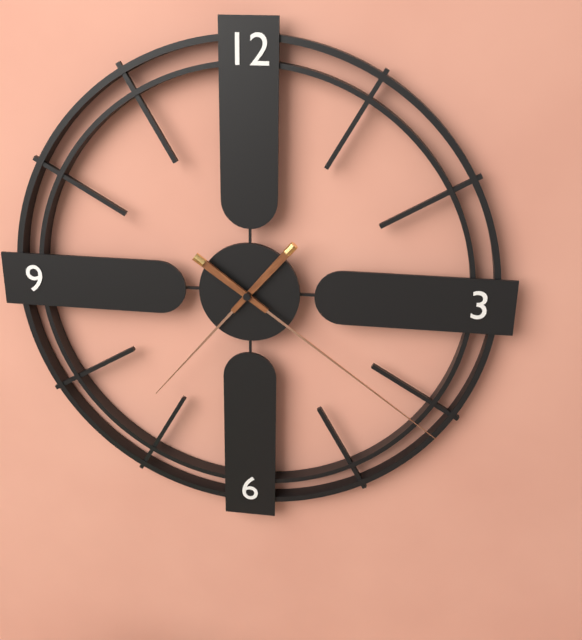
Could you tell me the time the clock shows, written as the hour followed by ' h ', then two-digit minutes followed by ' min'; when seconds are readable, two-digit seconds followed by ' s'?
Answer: 7 h 21 min
